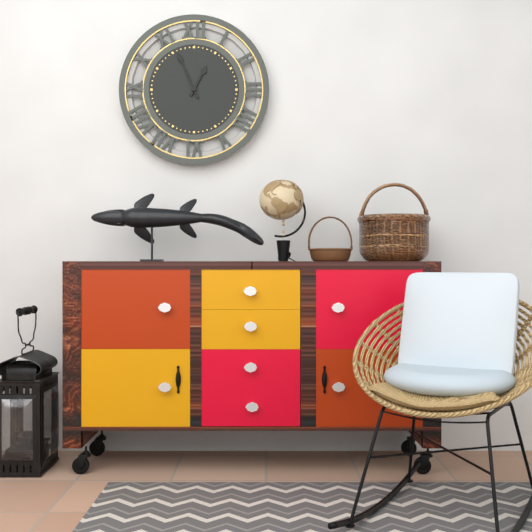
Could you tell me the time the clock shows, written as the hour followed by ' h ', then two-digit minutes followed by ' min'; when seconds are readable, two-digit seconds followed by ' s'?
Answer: 12 h 56 min
